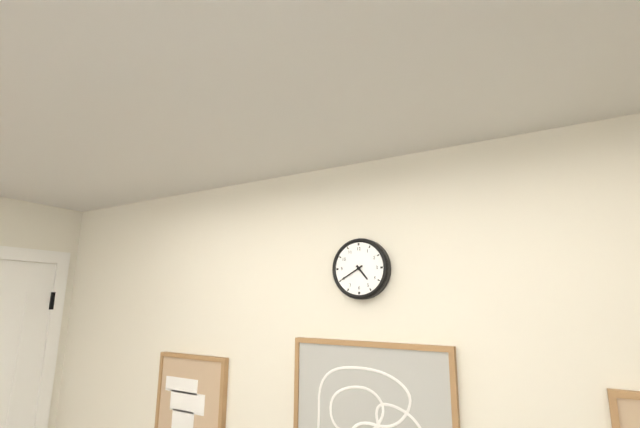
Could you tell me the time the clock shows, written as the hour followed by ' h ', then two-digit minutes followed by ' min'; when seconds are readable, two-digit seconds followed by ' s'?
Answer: 4 h 40 min
